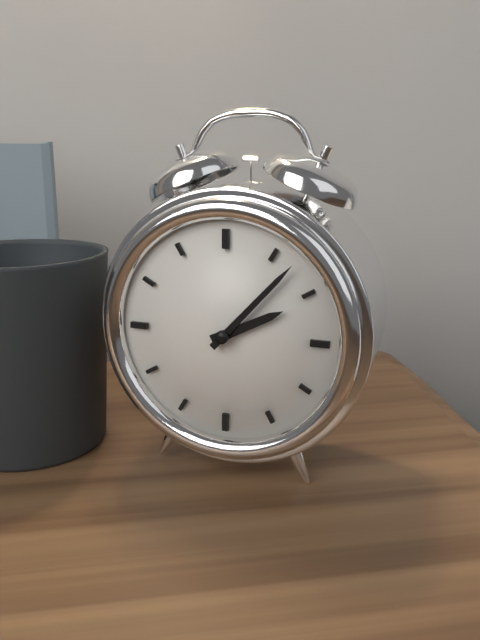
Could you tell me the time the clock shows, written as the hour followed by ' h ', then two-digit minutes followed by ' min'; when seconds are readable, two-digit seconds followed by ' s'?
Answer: 2 h 07 min
